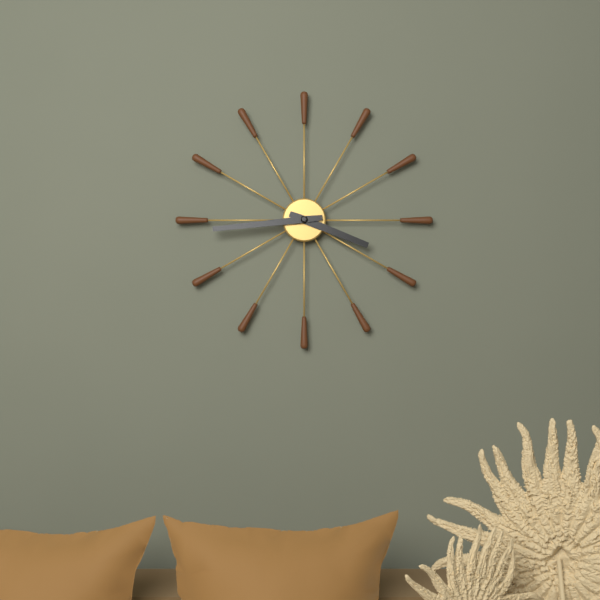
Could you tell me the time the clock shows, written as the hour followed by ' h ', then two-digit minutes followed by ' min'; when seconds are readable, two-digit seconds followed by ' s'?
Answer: 3 h 44 min
